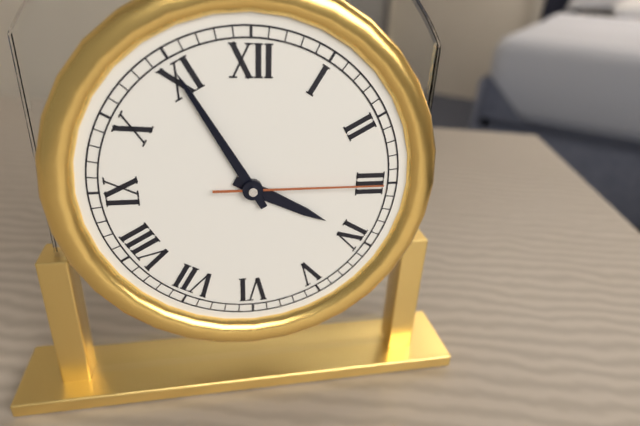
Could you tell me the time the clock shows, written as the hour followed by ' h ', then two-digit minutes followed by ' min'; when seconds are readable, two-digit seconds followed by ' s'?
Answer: 3 h 55 min 15 s
